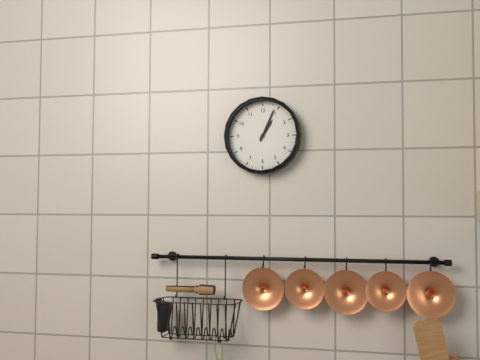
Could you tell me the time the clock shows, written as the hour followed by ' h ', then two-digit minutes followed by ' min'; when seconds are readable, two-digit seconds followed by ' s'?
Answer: 1 h 04 min
